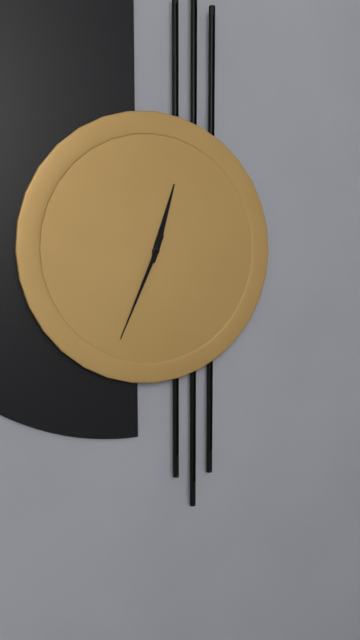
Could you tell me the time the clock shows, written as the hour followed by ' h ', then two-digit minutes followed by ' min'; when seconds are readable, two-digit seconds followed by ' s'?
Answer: 12 h 34 min
